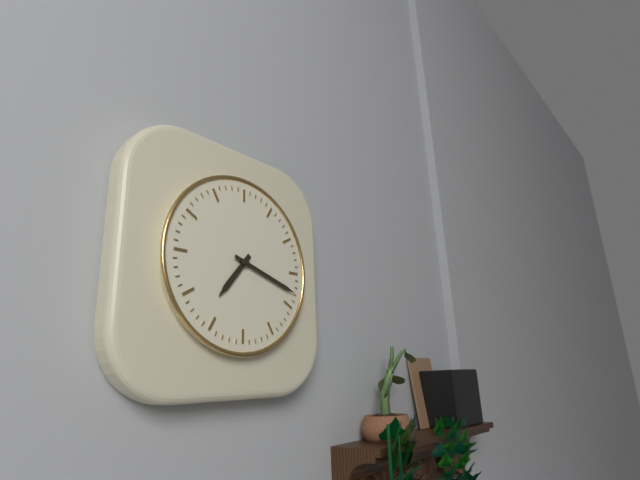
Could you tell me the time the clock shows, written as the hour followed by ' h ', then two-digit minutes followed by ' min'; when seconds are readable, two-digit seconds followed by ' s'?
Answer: 7 h 18 min
